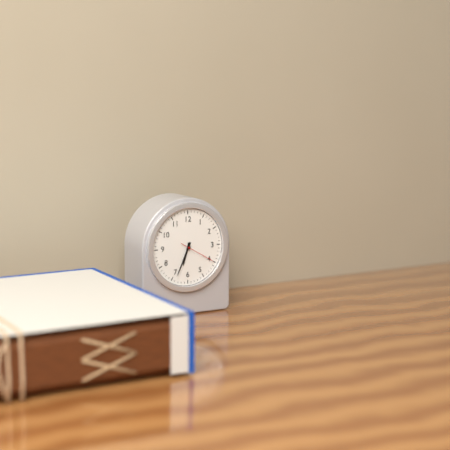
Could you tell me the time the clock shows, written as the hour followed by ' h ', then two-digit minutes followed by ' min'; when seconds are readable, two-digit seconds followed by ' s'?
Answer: 6 h 34 min
